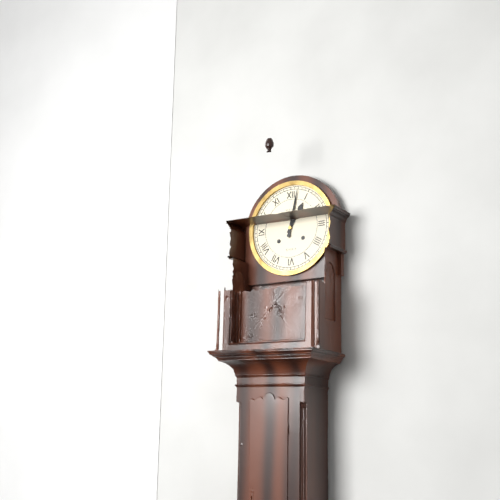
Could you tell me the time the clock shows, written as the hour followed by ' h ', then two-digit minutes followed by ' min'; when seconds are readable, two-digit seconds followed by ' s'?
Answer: 1 h 02 min
